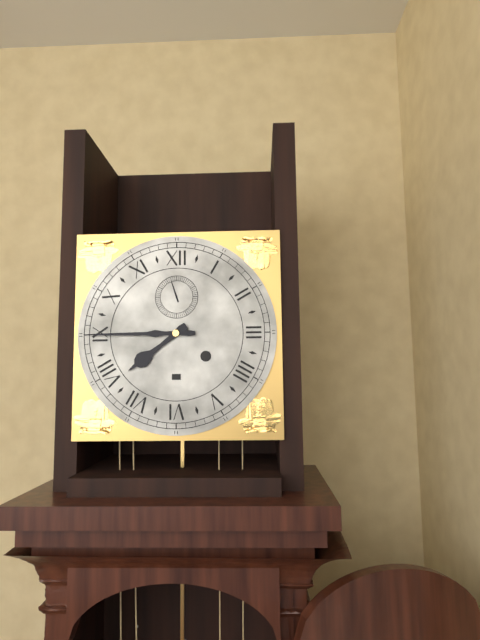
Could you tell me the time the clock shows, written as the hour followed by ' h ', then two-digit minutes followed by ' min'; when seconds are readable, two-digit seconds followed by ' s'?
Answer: 7 h 45 min
